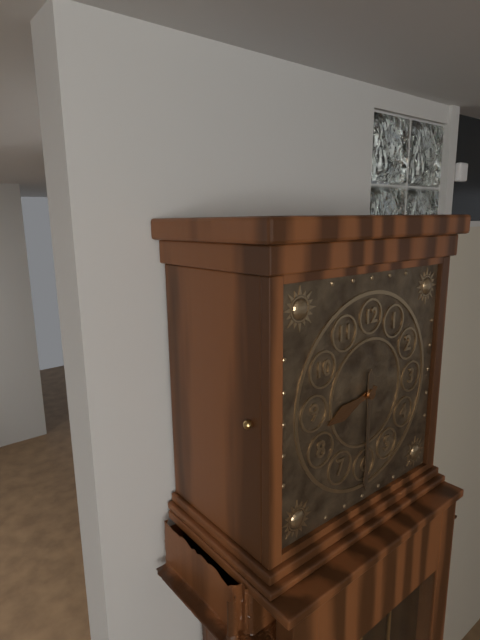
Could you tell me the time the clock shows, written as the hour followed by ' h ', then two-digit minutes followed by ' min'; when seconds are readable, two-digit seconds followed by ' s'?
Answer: 8 h 30 min
